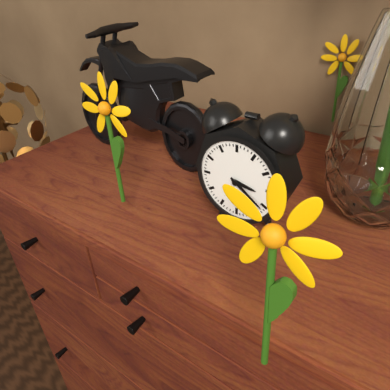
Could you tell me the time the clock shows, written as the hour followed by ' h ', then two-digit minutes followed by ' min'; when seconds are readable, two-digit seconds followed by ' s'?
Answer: 3 h 21 min
